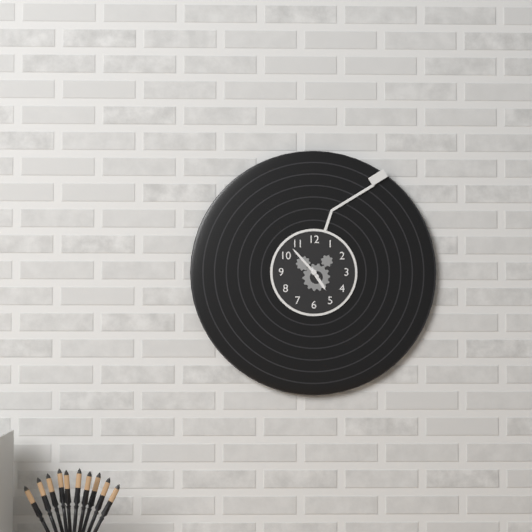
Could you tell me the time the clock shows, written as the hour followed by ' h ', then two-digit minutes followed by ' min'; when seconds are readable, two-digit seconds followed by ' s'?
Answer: 4 h 53 min
